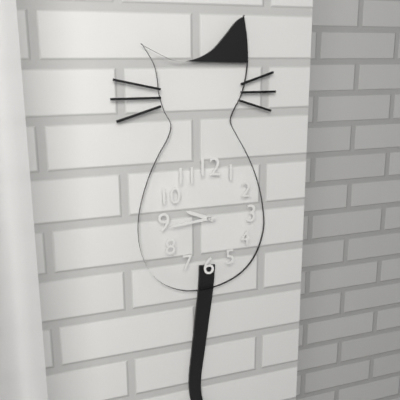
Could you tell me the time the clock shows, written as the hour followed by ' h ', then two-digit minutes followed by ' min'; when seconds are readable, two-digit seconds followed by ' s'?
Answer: 9 h 44 min
